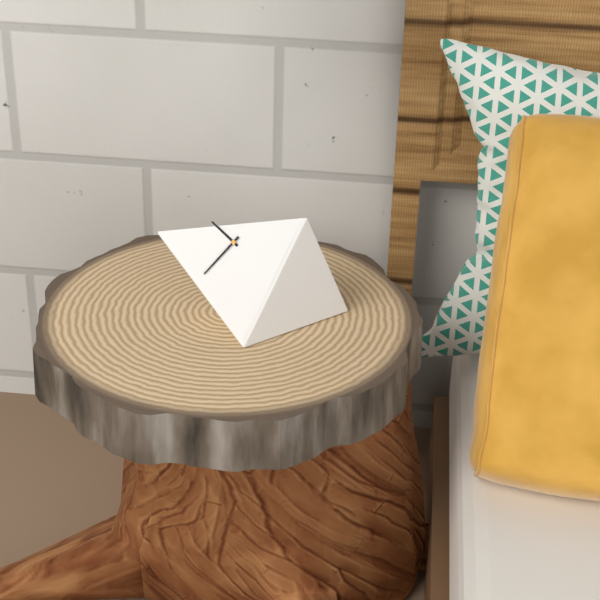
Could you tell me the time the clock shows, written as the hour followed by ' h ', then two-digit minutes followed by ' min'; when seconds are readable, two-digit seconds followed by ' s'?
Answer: 10 h 38 min
